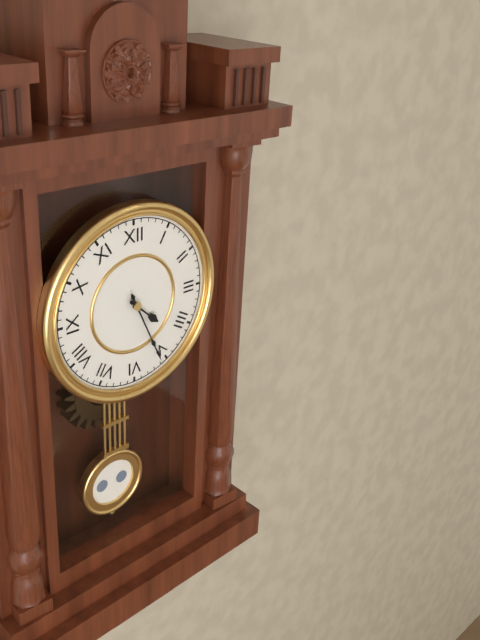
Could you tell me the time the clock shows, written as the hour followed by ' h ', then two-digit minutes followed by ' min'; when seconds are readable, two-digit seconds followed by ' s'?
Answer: 4 h 26 min
